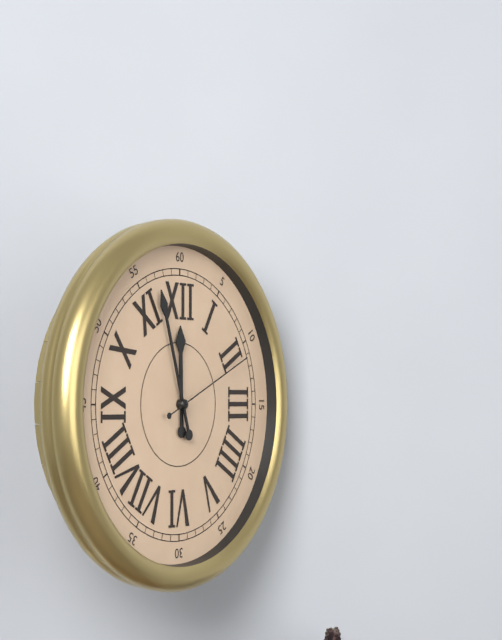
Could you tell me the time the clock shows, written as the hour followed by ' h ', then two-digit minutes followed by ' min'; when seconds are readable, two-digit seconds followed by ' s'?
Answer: 11 h 57 min 11 s
